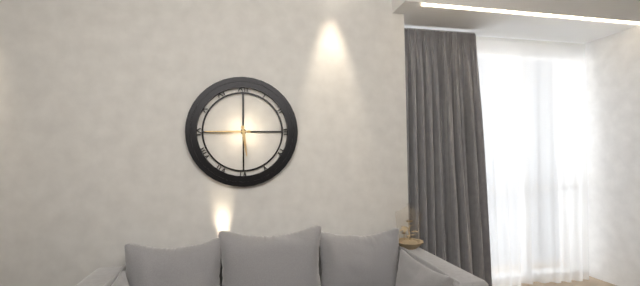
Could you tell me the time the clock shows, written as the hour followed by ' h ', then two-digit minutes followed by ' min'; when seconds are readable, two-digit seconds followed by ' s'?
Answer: 5 h 45 min
